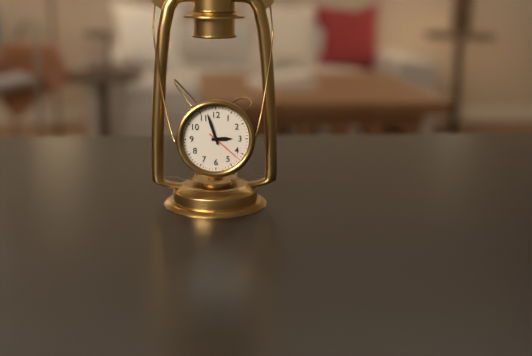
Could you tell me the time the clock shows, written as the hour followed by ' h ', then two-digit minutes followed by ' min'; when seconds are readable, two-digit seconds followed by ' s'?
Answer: 2 h 57 min
